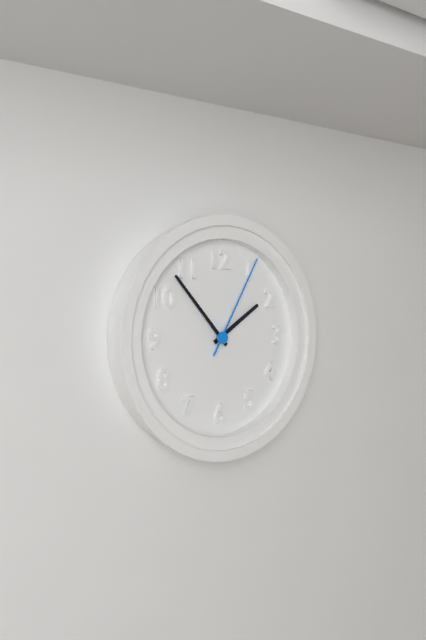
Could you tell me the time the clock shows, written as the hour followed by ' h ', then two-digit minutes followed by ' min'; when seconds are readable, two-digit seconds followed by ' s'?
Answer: 1 h 53 min 05 s
